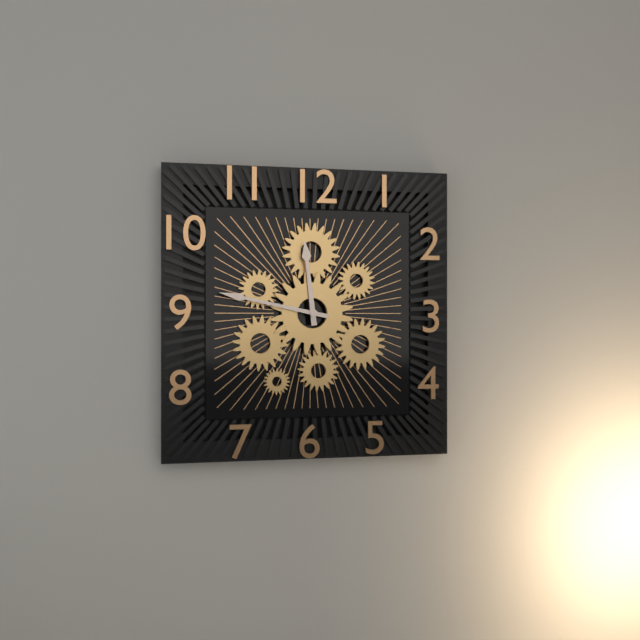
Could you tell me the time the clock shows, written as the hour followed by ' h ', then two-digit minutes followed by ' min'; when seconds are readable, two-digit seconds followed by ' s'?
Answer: 11 h 47 min
